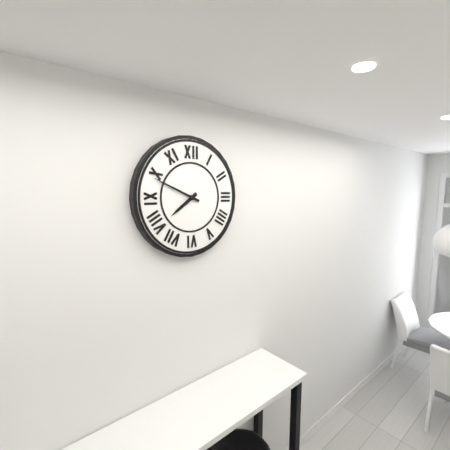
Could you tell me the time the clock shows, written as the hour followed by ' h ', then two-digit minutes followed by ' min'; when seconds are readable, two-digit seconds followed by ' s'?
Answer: 7 h 49 min
